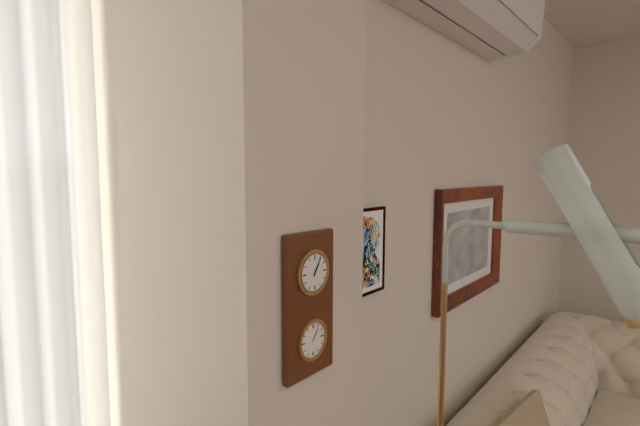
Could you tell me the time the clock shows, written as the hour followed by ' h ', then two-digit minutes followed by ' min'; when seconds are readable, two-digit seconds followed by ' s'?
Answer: 1 h 05 min
